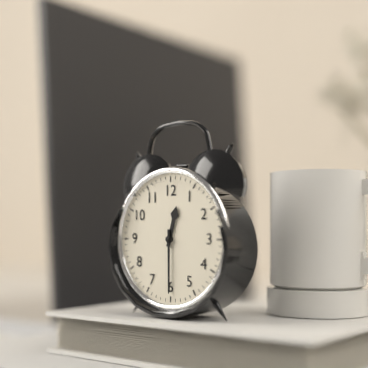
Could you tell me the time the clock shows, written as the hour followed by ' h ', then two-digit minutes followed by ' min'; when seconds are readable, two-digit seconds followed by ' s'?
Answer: 12 h 30 min
